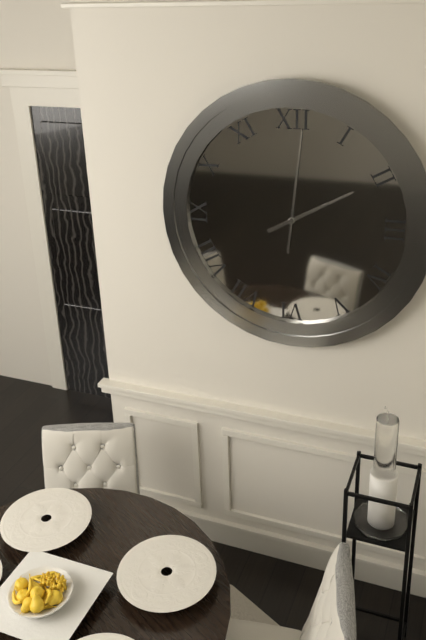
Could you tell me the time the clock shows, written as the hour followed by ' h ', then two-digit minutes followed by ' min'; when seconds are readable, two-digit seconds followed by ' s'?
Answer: 2 h 01 min
